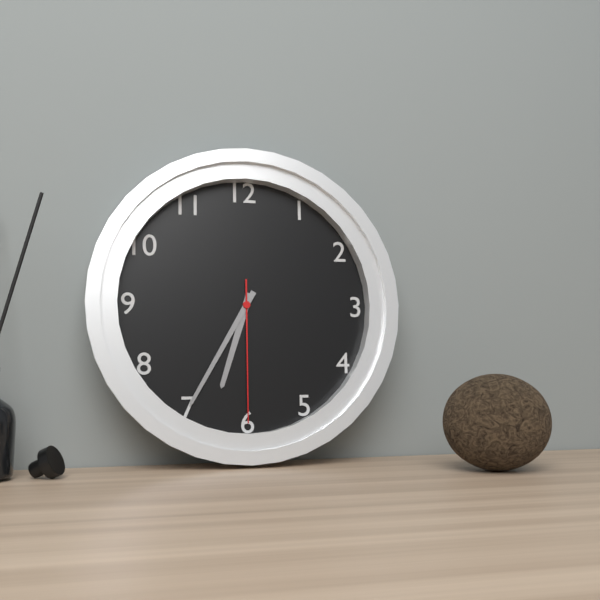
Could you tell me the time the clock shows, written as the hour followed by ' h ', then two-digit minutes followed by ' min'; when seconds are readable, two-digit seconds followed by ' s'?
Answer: 6 h 35 min 30 s
